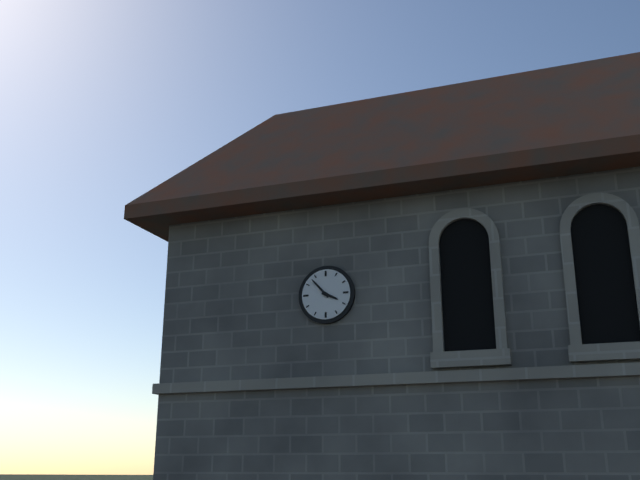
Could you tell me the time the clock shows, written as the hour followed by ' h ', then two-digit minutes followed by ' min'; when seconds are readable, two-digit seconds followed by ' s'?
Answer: 3 h 53 min
